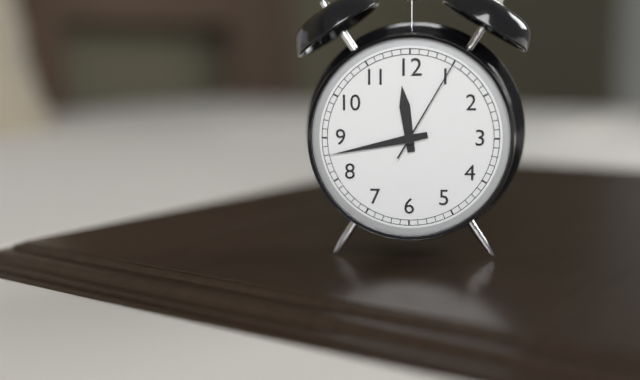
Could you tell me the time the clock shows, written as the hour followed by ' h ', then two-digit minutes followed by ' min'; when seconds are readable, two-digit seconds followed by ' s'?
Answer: 11 h 43 min 05 s
